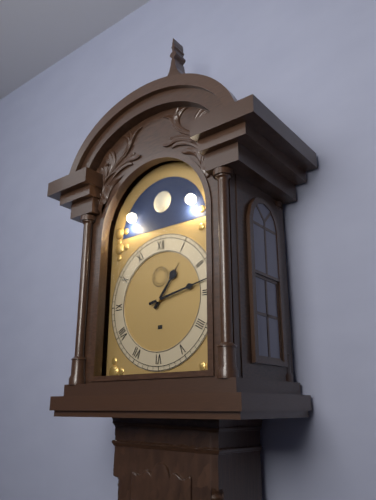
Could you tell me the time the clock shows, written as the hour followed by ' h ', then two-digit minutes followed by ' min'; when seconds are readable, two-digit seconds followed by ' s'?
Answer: 1 h 13 min
